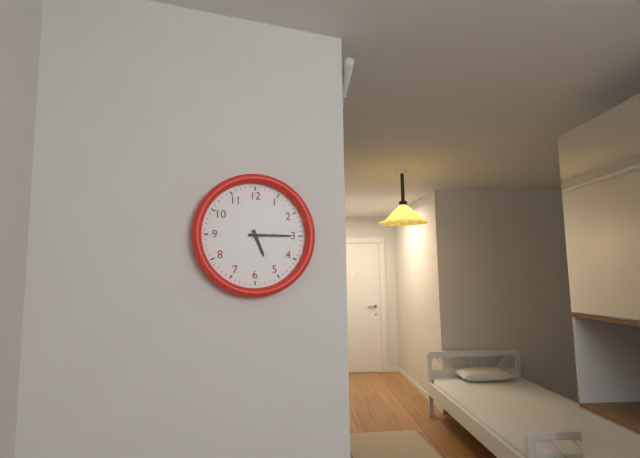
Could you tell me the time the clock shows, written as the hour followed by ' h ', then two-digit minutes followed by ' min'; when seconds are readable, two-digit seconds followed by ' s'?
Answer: 5 h 15 min
